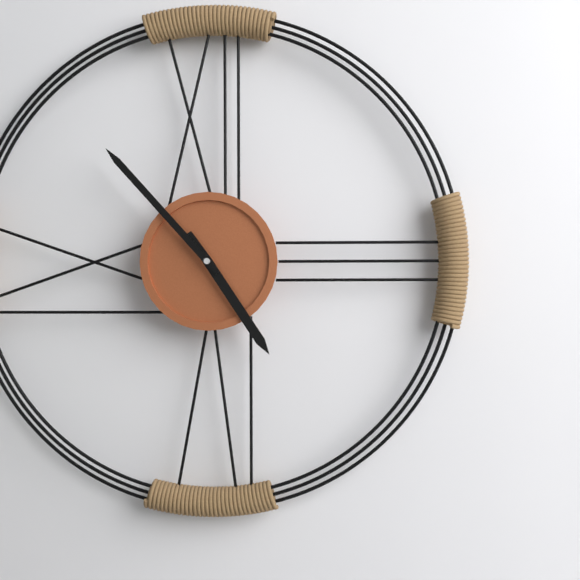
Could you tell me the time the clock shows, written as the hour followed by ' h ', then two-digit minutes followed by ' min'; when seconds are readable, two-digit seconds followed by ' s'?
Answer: 4 h 53 min
